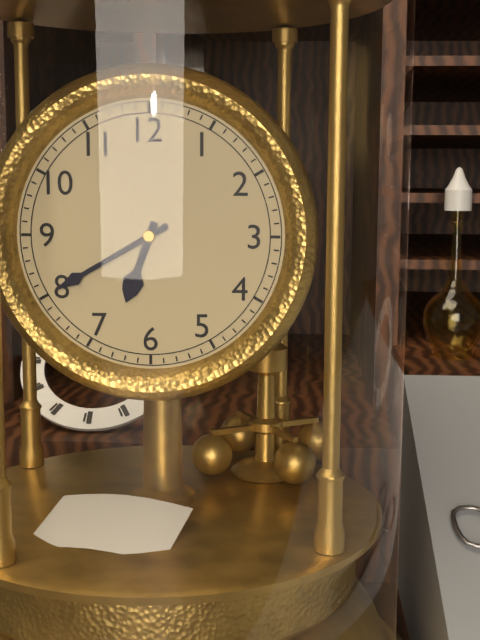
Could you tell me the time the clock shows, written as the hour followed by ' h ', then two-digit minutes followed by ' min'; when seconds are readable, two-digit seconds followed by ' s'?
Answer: 6 h 40 min
